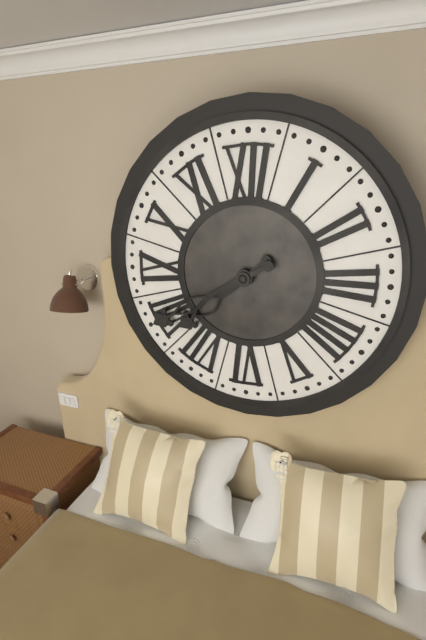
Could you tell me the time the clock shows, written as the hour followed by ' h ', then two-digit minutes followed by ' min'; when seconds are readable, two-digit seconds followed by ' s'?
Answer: 7 h 40 min
